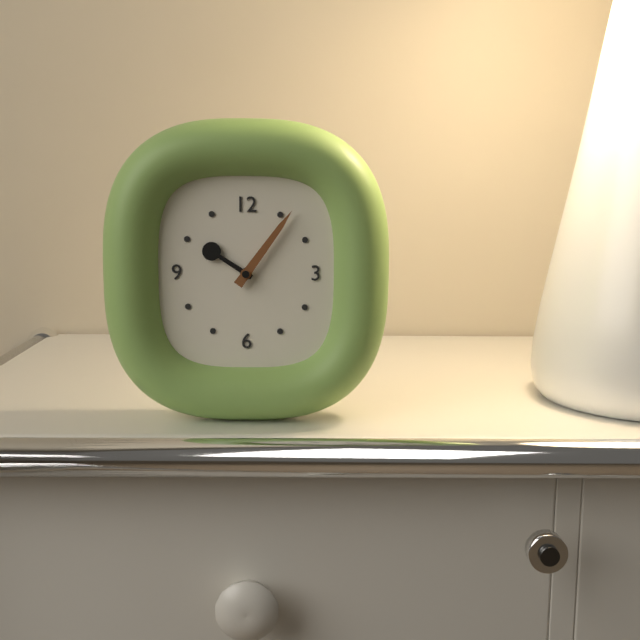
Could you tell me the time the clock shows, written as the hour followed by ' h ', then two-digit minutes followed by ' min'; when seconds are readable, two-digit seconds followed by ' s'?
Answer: 10 h 06 min
